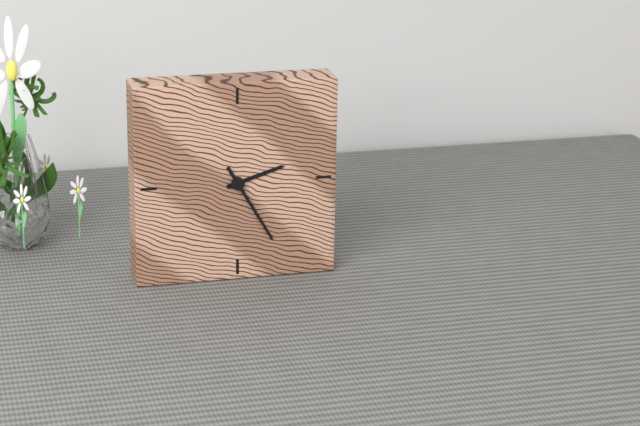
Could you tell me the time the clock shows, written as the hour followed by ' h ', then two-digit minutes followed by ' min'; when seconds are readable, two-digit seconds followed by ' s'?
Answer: 2 h 25 min
